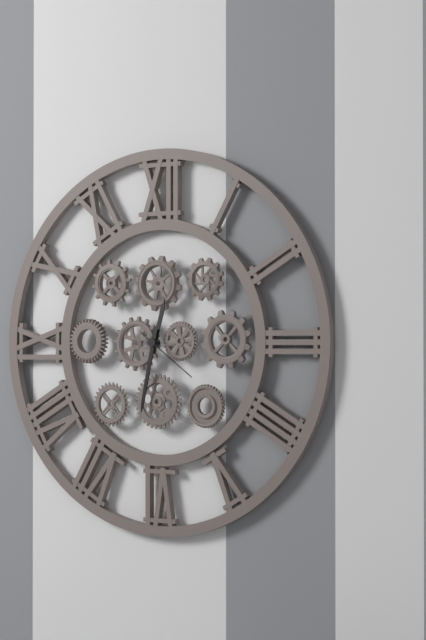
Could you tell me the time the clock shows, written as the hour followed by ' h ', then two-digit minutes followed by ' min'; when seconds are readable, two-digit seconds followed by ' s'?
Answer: 12 h 32 min 21 s
